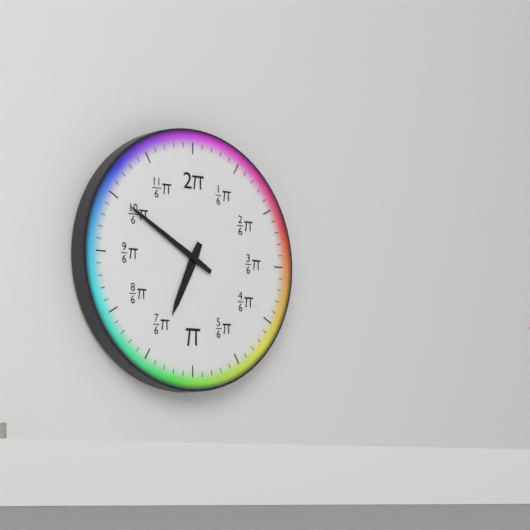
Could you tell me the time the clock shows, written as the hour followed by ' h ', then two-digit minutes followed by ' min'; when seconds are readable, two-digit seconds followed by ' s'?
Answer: 6 h 50 min
